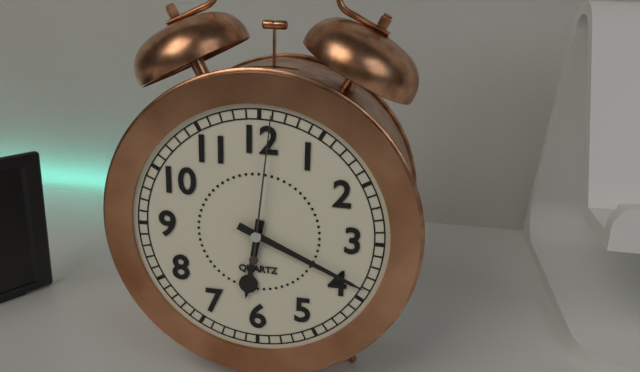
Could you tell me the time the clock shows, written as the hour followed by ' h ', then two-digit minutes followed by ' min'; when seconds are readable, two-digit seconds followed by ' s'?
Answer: 6 h 19 min 01 s
